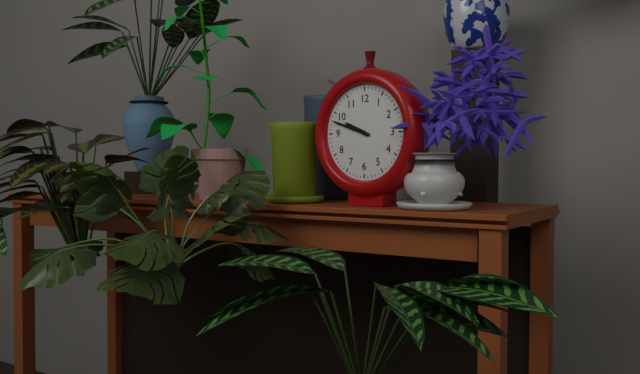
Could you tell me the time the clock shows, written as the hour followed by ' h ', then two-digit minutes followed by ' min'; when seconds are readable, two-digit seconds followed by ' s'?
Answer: 9 h 48 min
